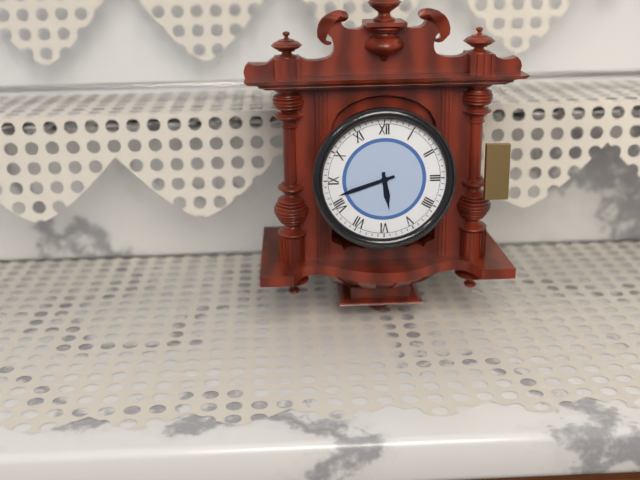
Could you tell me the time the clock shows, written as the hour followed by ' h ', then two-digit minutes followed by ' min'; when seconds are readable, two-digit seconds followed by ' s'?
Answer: 5 h 42 min
